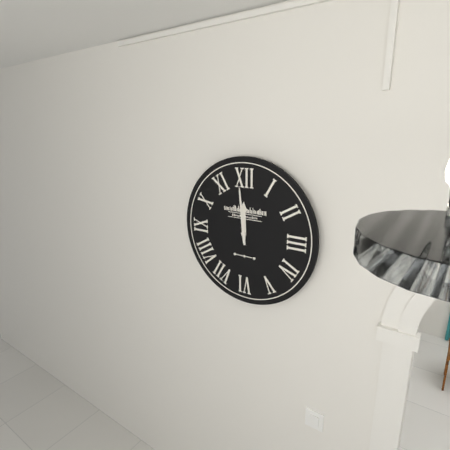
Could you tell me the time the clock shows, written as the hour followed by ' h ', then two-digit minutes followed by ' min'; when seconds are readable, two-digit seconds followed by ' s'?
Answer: 11 h 59 min
